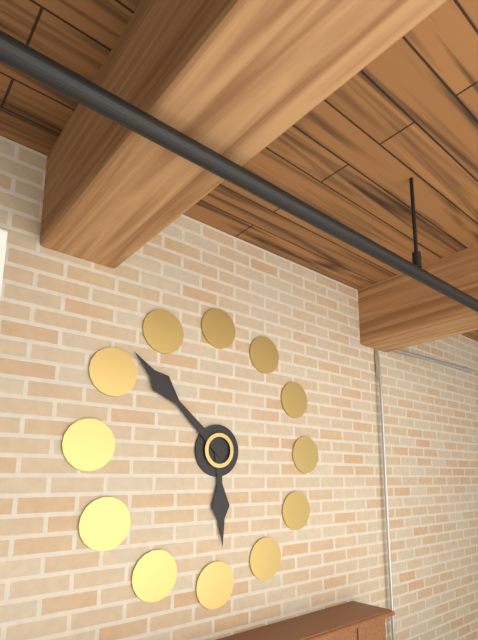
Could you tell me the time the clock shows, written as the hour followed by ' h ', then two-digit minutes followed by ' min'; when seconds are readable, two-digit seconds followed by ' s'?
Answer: 5 h 52 min
